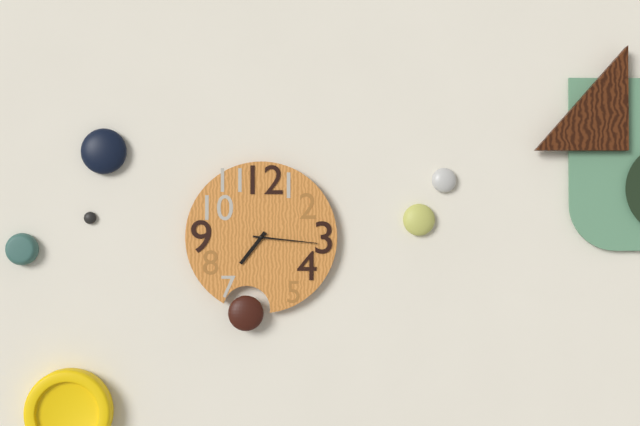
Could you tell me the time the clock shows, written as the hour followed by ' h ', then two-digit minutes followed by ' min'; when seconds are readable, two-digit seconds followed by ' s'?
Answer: 7 h 16 min
